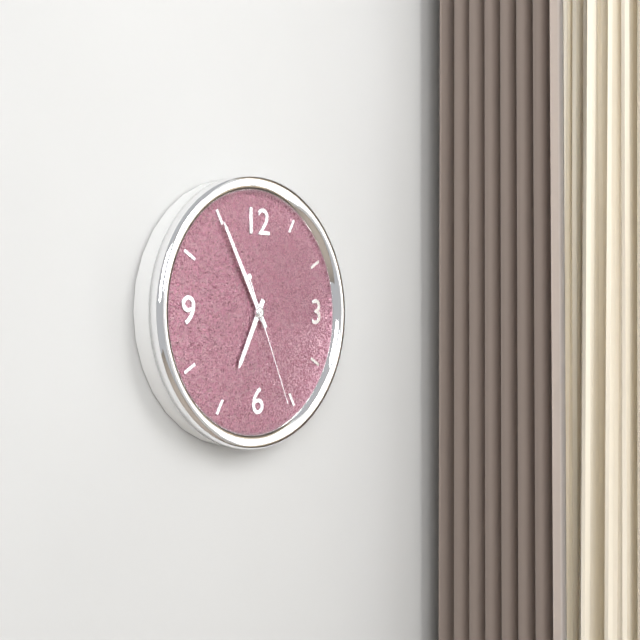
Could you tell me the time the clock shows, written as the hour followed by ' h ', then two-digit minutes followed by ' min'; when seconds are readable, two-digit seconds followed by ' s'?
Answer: 6 h 55 min 26 s
